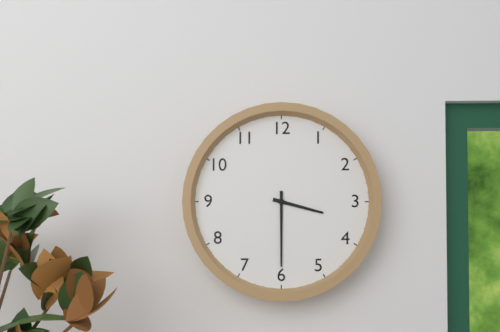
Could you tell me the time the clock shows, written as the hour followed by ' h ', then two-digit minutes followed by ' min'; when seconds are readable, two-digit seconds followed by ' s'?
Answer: 3 h 30 min
